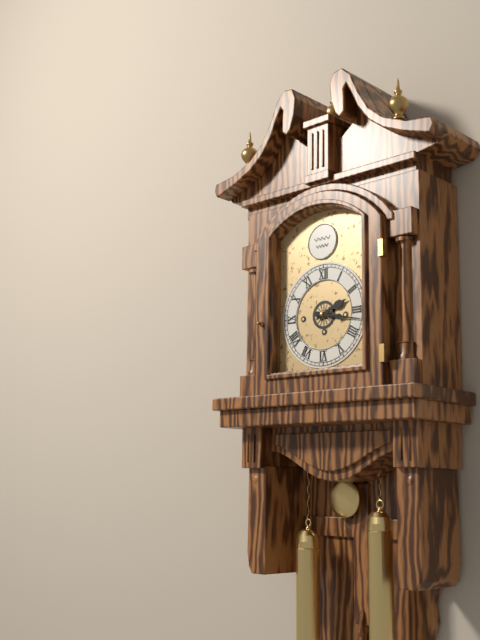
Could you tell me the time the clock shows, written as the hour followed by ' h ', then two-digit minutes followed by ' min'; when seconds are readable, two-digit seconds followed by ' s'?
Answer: 2 h 17 min
